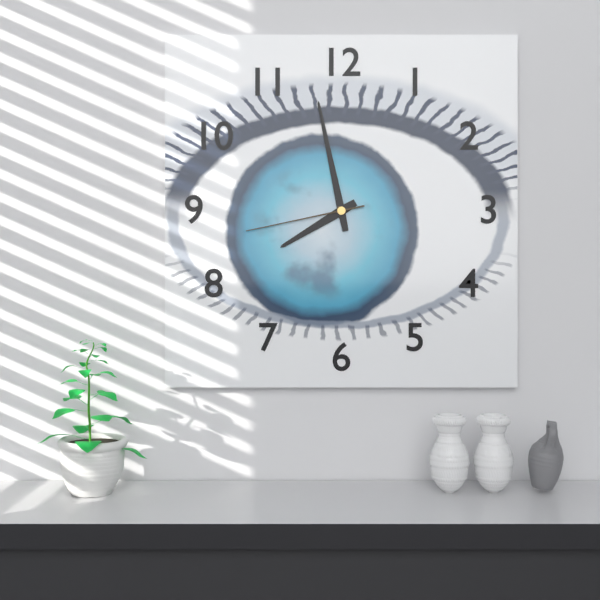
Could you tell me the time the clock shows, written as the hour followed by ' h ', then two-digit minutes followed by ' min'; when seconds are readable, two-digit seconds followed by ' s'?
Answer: 7 h 58 min 43 s
